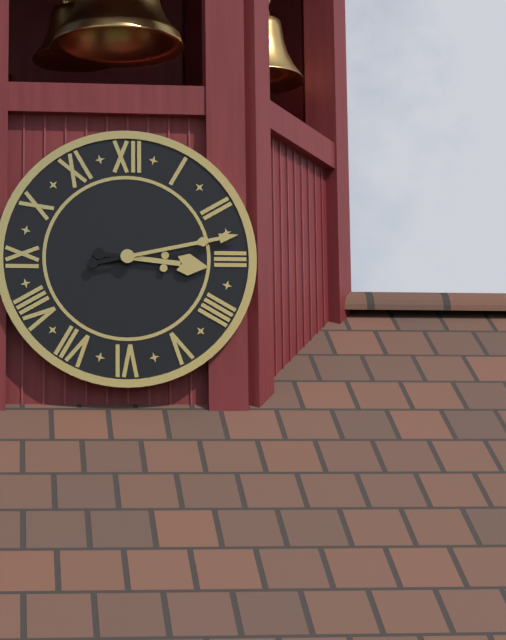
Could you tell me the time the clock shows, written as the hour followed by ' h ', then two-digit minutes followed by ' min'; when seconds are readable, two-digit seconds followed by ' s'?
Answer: 3 h 13 min
